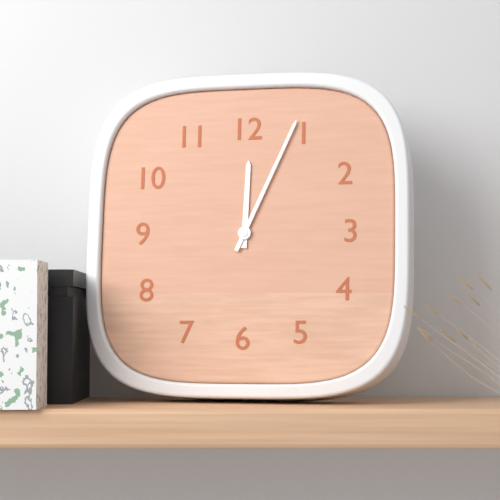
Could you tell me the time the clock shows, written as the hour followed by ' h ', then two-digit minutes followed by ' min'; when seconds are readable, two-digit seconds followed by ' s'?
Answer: 12 h 04 min
